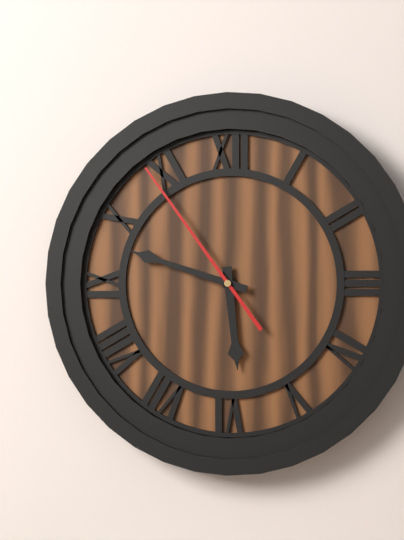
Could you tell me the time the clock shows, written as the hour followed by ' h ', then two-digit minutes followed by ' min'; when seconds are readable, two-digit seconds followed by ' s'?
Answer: 5 h 48 min 54 s
